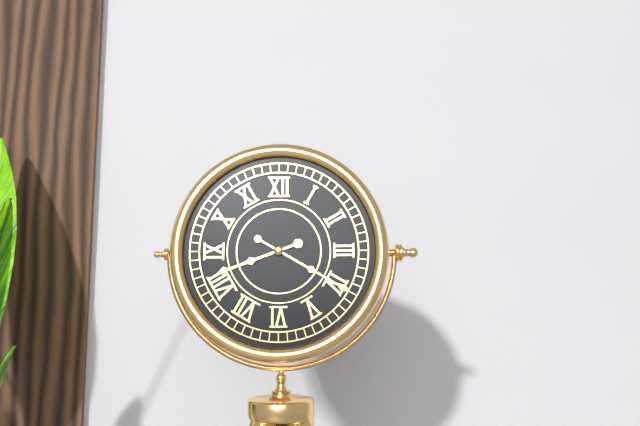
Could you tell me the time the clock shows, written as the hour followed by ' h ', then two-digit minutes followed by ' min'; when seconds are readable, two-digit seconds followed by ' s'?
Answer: 8 h 20 min
